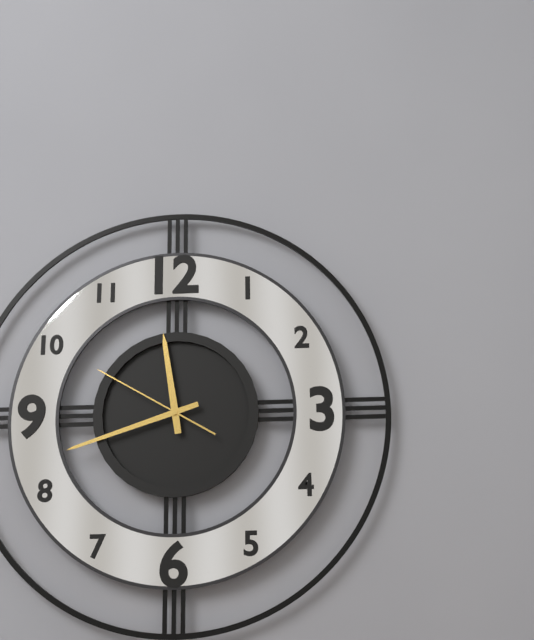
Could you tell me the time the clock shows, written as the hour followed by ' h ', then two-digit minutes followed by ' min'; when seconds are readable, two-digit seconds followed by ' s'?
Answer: 11 h 42 min 50 s
